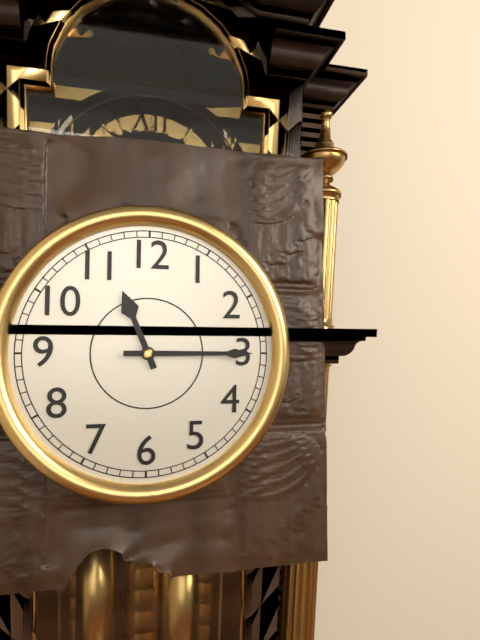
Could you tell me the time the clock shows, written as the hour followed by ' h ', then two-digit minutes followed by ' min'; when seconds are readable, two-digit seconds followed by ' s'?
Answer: 11 h 15 min
